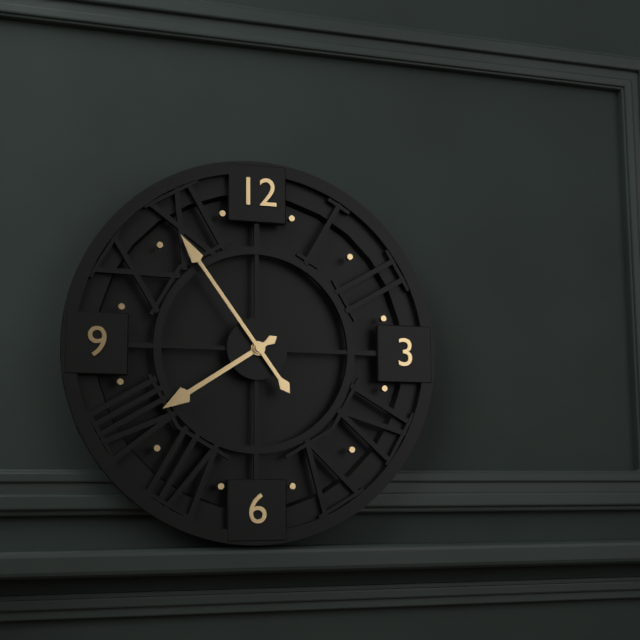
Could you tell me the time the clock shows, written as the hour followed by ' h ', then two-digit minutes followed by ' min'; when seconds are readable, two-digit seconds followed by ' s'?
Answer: 7 h 54 min
